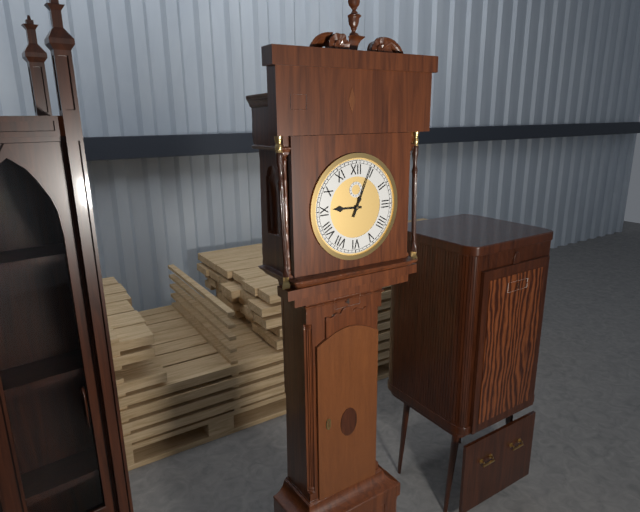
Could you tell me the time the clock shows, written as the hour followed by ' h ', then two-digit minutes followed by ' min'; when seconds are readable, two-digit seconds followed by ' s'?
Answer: 9 h 04 min
